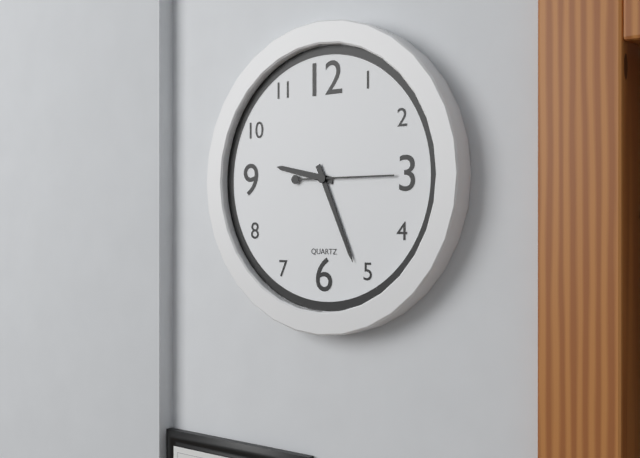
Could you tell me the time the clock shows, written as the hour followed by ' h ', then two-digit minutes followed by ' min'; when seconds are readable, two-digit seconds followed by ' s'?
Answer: 9 h 26 min 15 s
